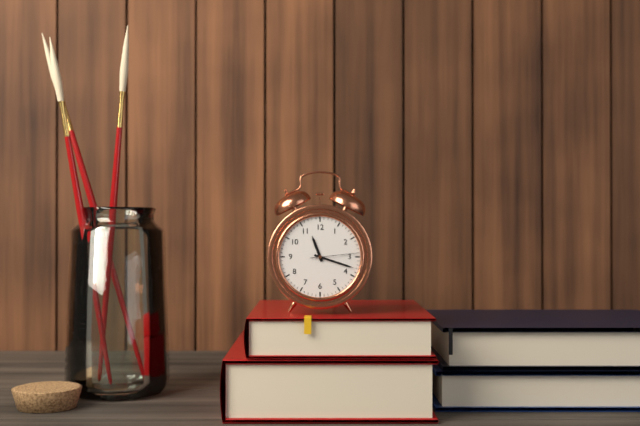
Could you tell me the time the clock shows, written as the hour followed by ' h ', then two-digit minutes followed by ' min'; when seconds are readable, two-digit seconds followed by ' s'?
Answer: 11 h 18 min
